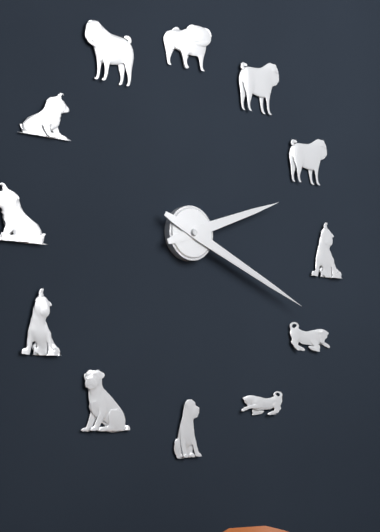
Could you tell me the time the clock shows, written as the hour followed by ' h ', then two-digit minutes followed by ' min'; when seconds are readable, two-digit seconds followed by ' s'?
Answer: 2 h 19 min
